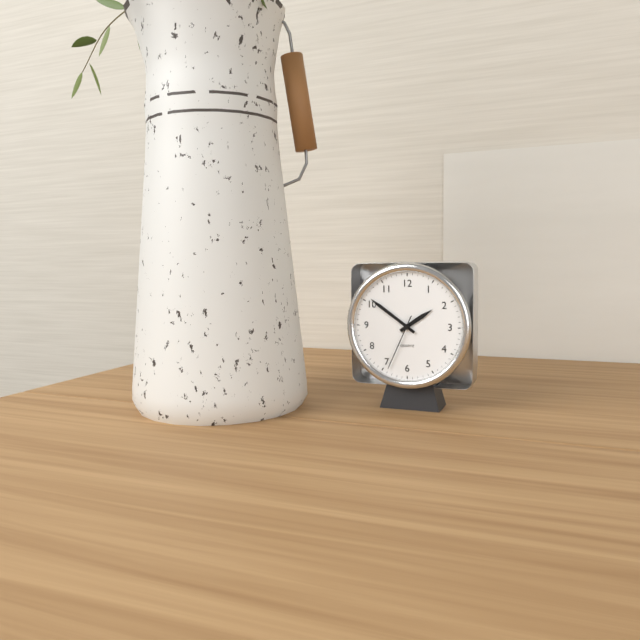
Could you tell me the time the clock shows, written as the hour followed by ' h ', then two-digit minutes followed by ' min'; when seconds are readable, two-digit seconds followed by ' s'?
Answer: 1 h 51 min 34 s
